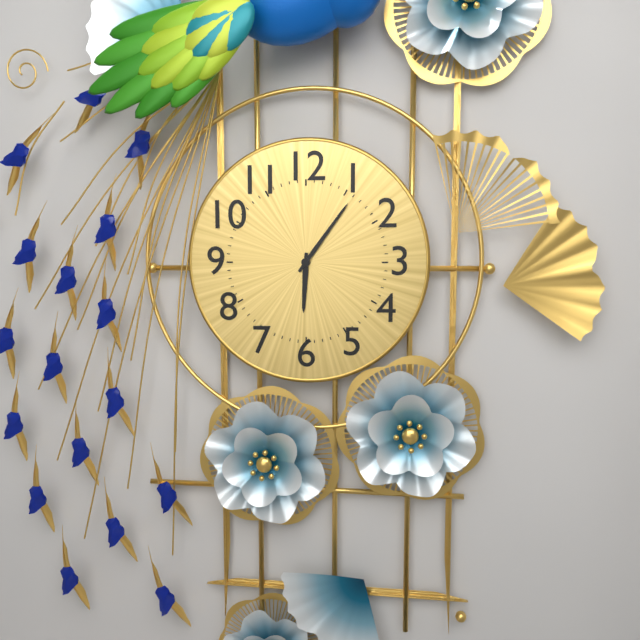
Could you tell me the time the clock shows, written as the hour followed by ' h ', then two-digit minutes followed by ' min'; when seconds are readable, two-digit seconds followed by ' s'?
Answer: 6 h 06 min
